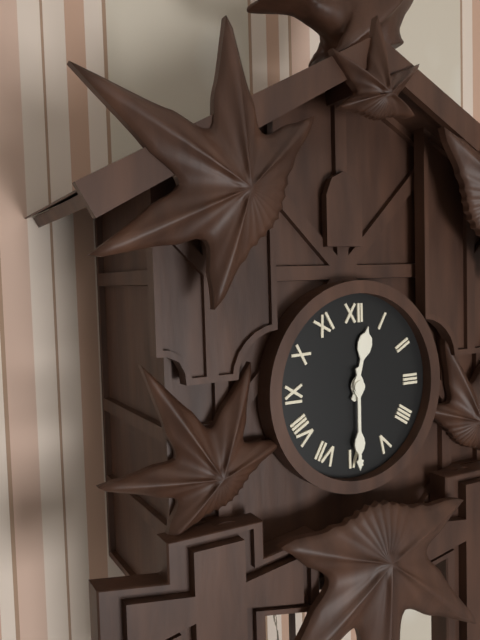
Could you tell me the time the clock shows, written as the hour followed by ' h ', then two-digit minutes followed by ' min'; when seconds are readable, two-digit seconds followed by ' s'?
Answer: 12 h 30 min
